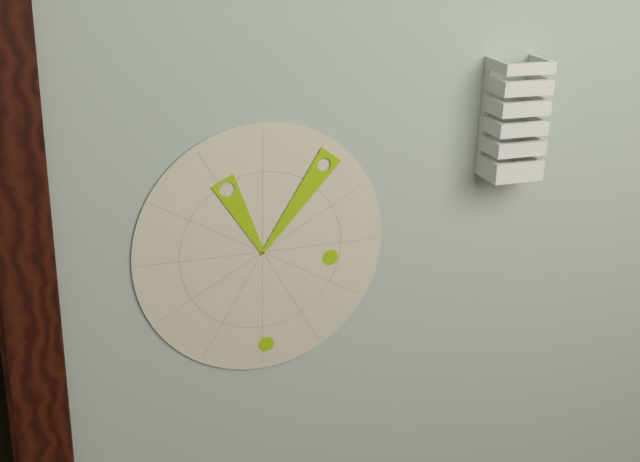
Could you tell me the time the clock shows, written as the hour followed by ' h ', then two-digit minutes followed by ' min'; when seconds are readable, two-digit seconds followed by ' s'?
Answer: 11 h 06 min
